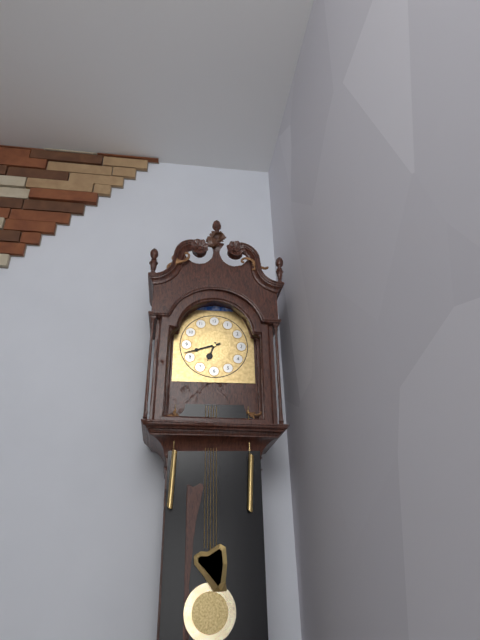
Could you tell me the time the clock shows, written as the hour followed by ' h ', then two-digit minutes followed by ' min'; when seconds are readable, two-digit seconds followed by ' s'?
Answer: 6 h 42 min
